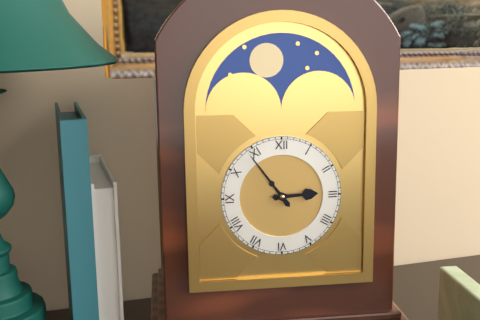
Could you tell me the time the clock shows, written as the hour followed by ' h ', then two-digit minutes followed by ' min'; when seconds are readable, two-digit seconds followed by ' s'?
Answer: 2 h 54 min
